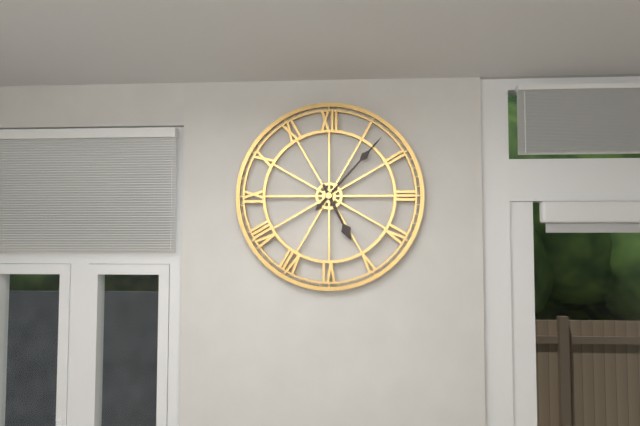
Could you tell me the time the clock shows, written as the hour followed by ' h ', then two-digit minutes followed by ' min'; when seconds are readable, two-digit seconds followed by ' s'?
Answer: 5 h 07 min
